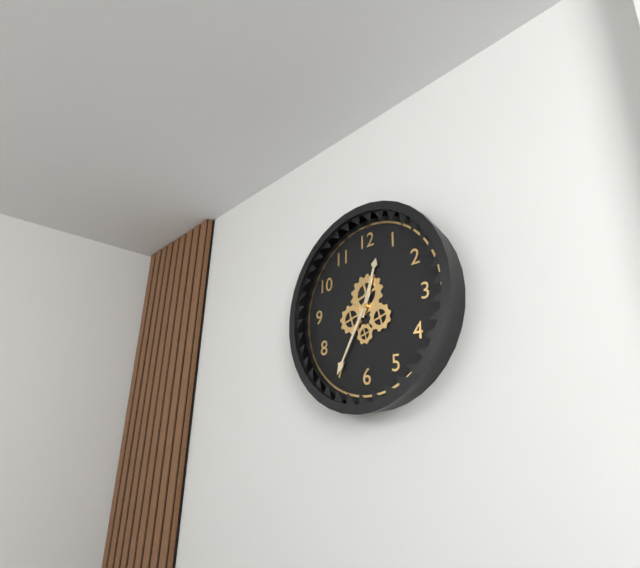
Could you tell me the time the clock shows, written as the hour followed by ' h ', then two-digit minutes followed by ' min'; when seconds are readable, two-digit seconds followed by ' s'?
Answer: 12 h 35 min
